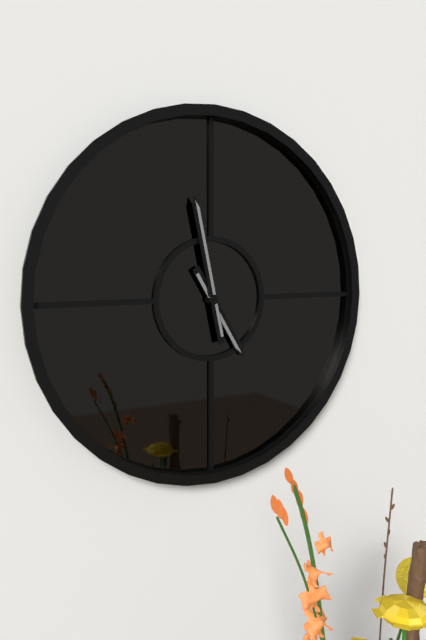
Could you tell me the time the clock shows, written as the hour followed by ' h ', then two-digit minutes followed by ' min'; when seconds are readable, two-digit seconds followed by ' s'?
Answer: 4 h 58 min
